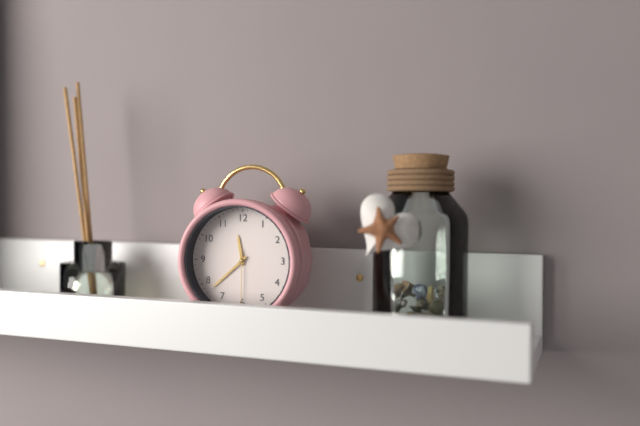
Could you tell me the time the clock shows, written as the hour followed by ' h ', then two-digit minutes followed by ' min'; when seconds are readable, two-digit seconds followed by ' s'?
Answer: 11 h 38 min 30 s
